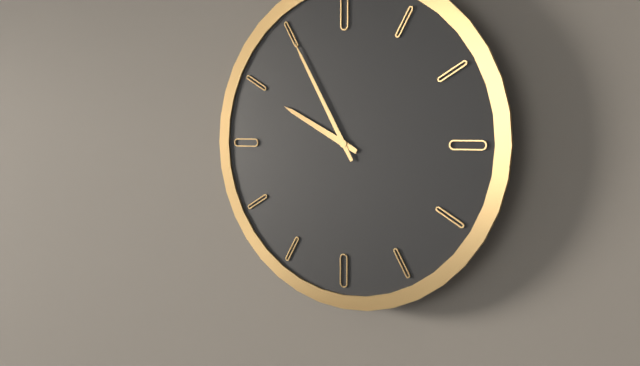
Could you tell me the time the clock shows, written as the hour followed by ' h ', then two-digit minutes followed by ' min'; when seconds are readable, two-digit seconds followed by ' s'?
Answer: 9 h 55 min
